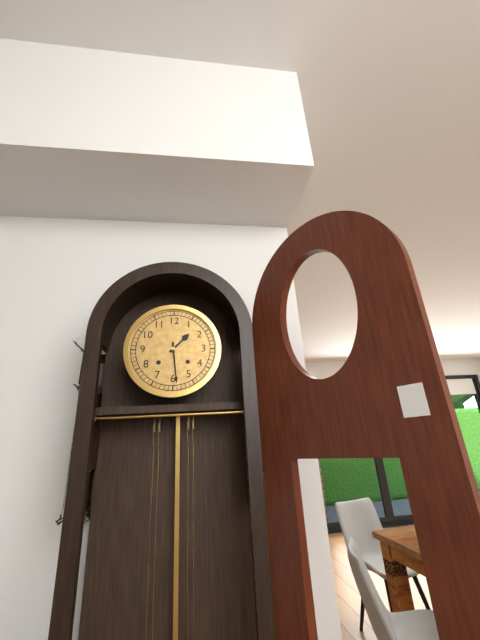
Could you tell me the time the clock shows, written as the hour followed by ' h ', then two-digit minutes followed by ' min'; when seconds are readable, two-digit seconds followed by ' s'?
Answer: 1 h 29 min
